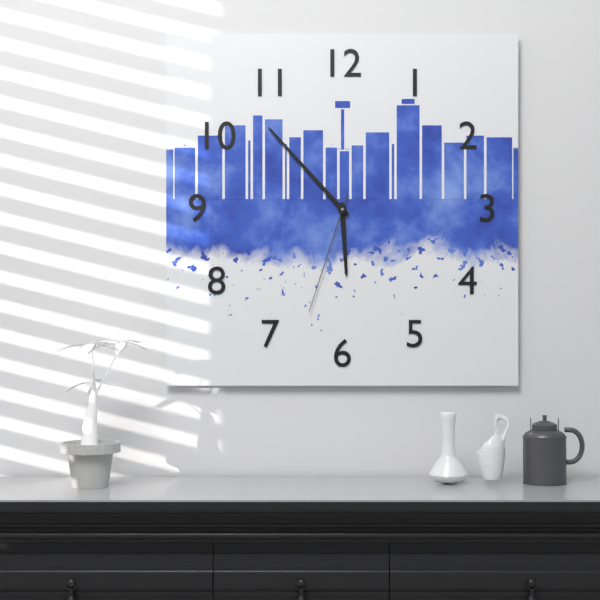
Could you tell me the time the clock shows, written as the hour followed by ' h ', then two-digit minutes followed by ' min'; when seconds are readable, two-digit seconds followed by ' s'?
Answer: 5 h 53 min 33 s
